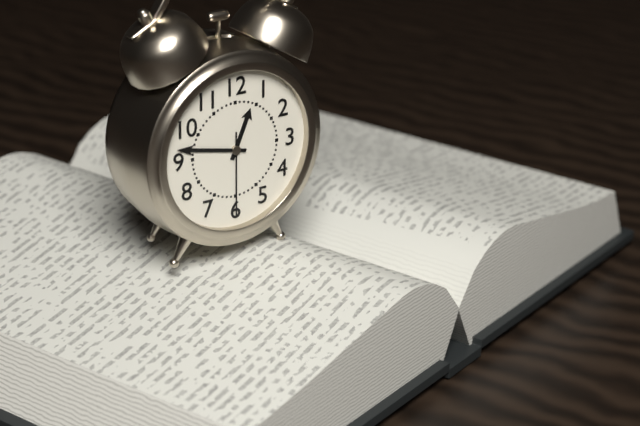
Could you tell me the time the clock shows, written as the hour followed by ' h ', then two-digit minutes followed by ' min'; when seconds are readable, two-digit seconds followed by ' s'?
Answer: 12 h 47 min 30 s
